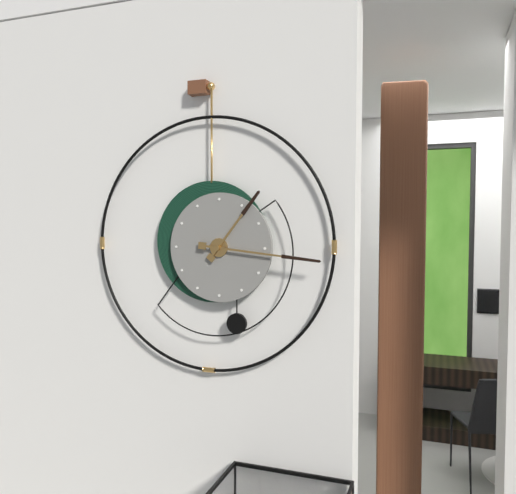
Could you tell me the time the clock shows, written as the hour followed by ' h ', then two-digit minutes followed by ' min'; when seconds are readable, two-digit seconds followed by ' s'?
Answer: 1 h 16 min
